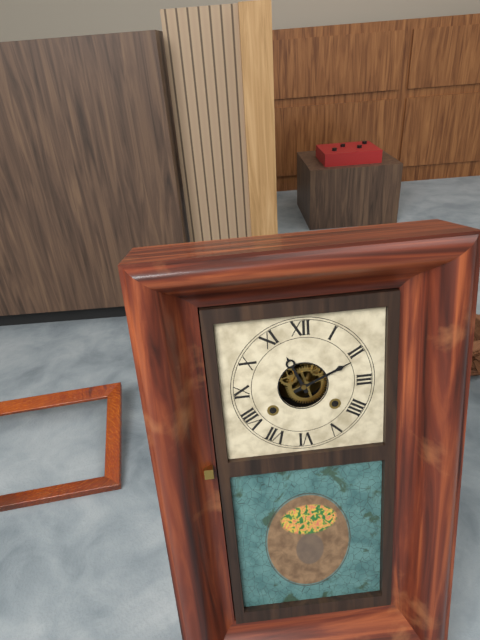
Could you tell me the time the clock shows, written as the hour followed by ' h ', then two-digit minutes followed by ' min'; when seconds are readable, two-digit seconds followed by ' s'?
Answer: 11 h 11 min
